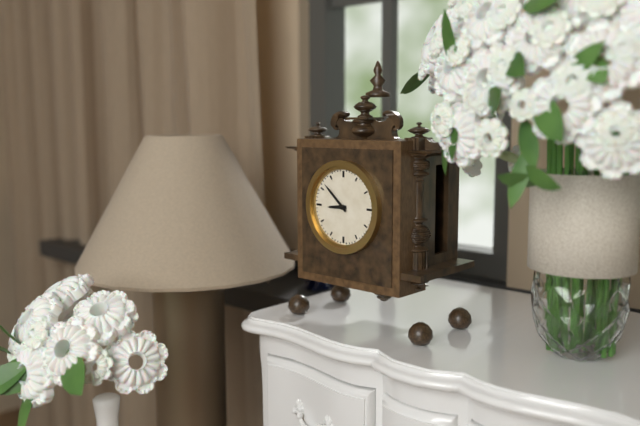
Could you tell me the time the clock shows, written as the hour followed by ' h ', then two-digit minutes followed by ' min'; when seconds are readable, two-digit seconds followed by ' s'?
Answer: 8 h 52 min
